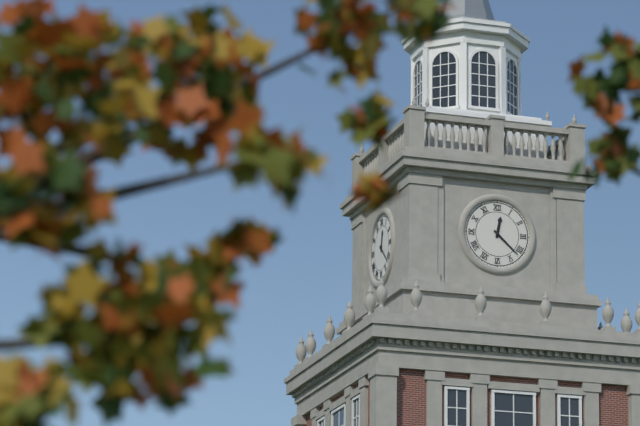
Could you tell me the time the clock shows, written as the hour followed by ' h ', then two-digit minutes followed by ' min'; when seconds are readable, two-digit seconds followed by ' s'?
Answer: 12 h 22 min
